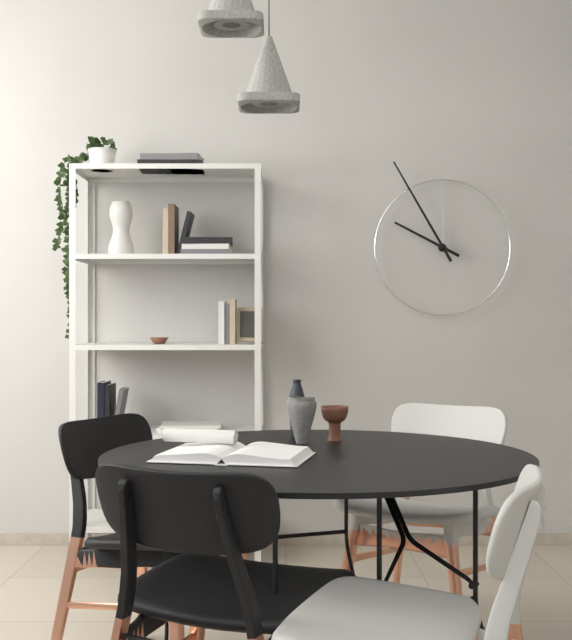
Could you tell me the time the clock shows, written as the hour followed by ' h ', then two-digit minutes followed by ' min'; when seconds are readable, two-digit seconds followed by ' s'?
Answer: 9 h 55 min
